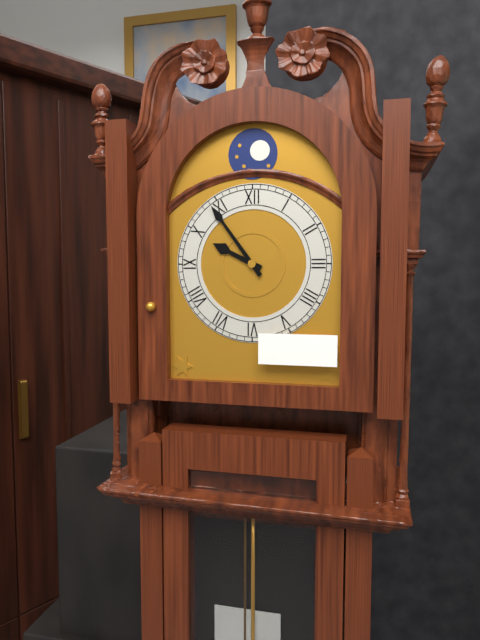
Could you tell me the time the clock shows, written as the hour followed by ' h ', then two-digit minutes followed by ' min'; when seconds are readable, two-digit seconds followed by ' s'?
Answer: 9 h 54 min
